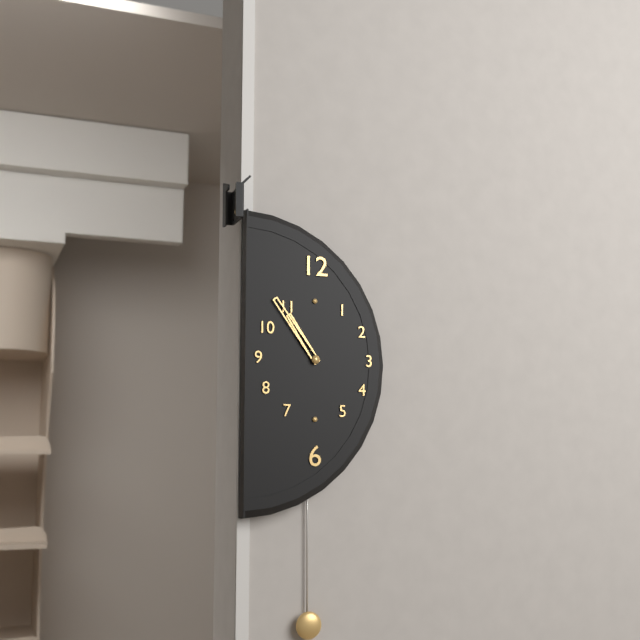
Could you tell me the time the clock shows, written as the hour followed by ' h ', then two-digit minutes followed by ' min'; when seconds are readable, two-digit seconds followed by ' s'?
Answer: 10 h 54 min
